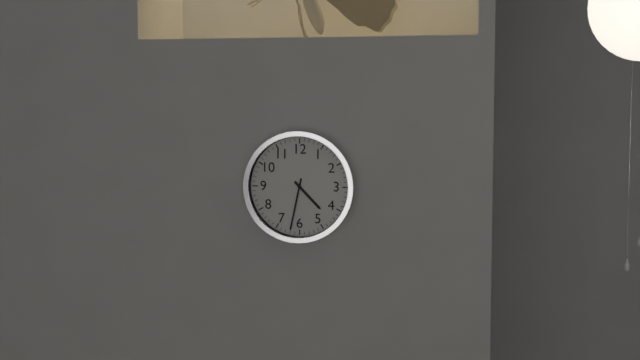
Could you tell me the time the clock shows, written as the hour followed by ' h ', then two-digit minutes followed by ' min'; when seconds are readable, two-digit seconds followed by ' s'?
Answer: 4 h 32 min
